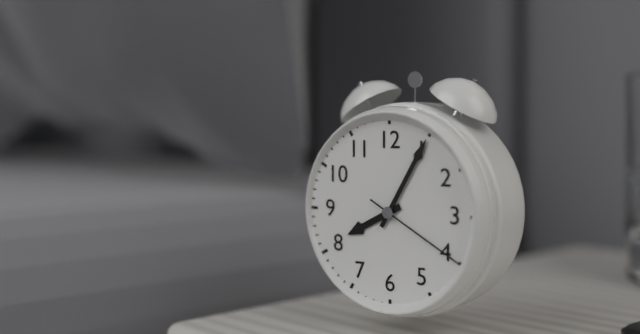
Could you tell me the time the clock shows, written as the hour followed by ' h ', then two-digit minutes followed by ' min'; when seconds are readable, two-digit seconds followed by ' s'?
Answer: 8 h 05 min 20 s
